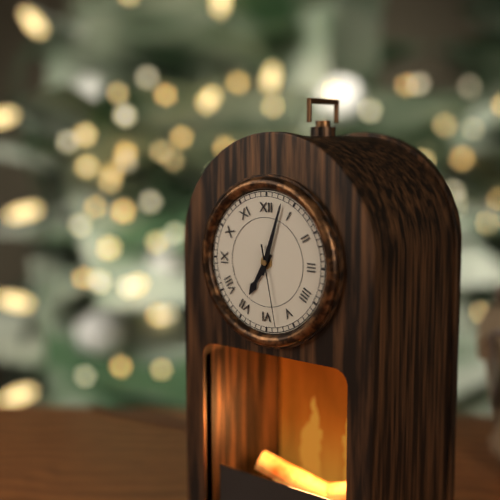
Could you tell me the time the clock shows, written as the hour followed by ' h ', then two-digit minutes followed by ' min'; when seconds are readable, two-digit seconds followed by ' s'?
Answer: 7 h 03 min 28 s
